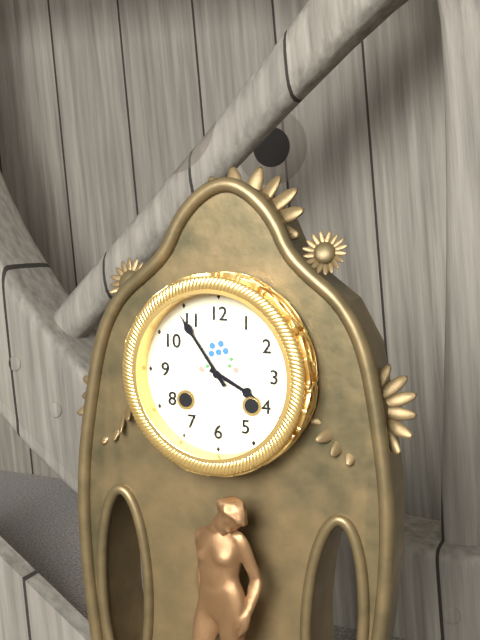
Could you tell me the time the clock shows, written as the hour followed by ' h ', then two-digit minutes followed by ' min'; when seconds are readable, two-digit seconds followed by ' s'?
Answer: 3 h 54 min
